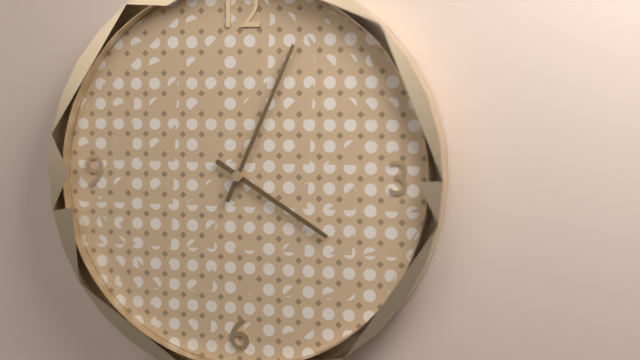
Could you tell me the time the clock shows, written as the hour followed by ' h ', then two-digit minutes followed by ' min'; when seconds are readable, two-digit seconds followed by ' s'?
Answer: 4 h 04 min
